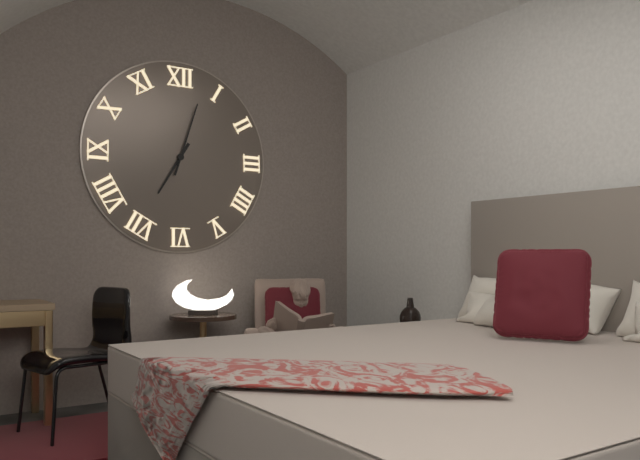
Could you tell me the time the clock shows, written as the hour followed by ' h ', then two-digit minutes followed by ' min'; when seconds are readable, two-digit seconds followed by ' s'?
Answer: 7 h 03 min
